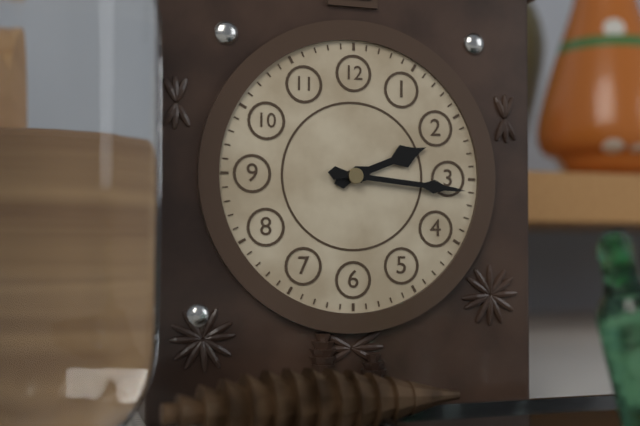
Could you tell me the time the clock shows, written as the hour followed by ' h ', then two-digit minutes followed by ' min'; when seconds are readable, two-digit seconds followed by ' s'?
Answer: 2 h 16 min
